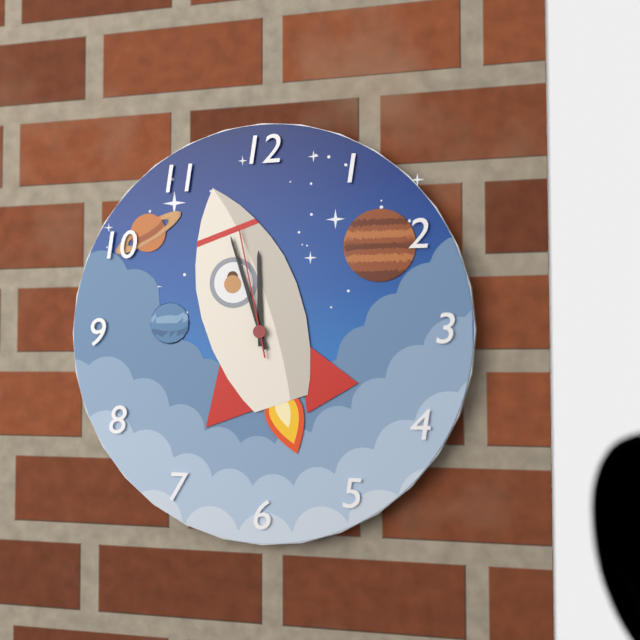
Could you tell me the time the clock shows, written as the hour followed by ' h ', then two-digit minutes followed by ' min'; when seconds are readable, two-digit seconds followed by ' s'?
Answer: 11 h 57 min 58 s
